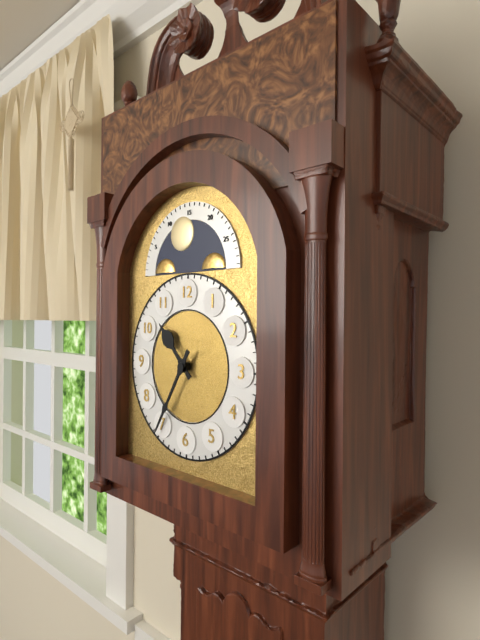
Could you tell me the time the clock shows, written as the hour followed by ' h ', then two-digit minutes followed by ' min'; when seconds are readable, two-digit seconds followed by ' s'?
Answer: 10 h 35 min
